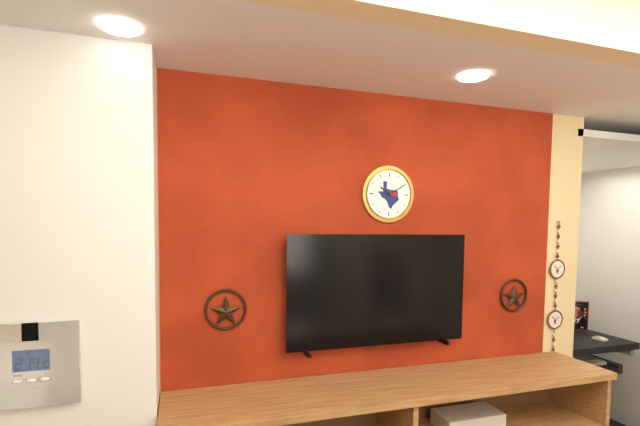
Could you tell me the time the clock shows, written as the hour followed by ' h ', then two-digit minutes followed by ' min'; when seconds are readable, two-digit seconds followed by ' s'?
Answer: 10 h 10 min
